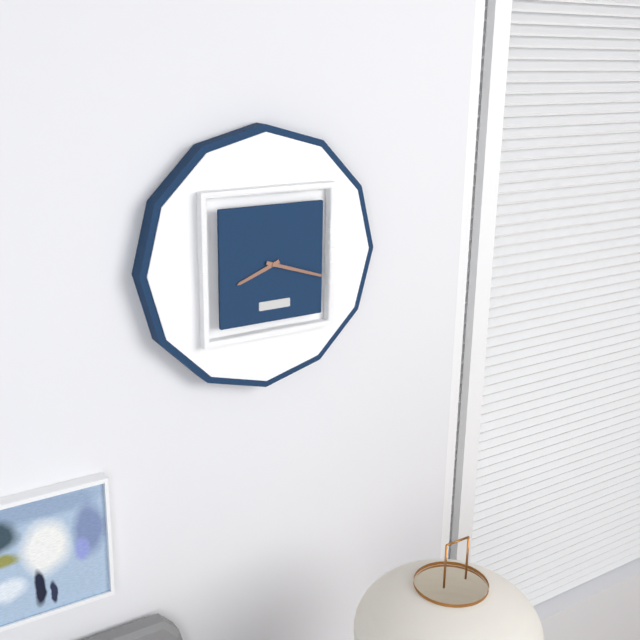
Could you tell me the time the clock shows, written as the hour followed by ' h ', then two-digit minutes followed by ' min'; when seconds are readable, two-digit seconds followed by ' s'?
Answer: 8 h 18 min
